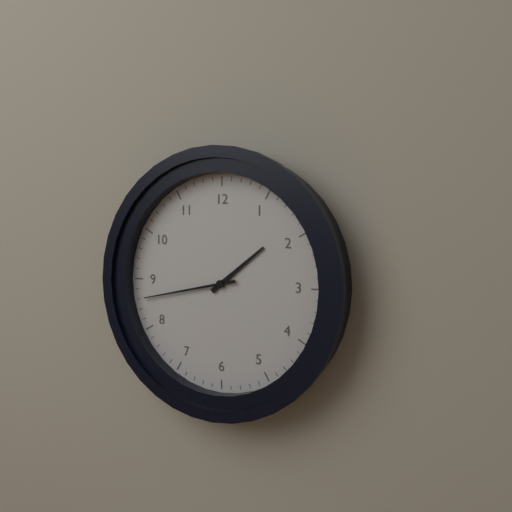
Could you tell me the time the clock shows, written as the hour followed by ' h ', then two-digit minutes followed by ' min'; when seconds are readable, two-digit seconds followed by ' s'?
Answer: 1 h 43 min
